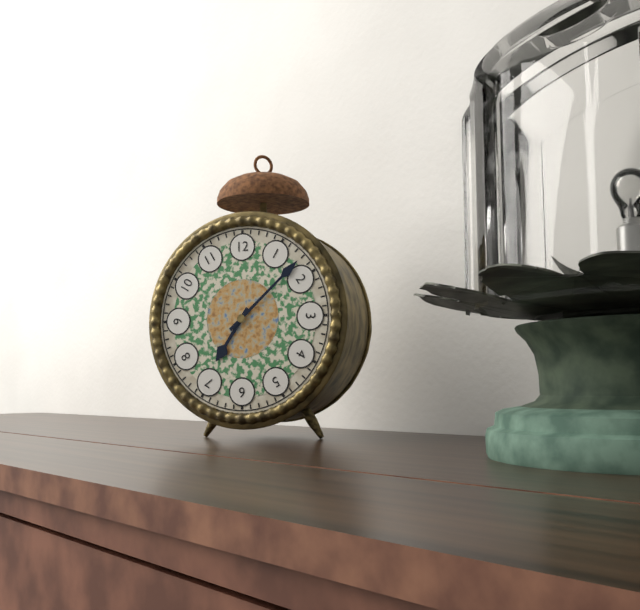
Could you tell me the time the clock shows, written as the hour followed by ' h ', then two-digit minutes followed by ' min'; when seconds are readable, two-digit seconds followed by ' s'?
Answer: 7 h 08 min
